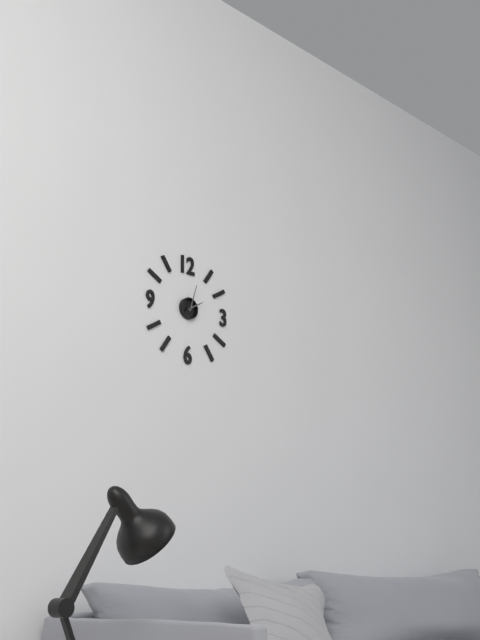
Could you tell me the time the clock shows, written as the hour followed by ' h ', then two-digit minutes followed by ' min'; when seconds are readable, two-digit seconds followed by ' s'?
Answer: 2 h 03 min
